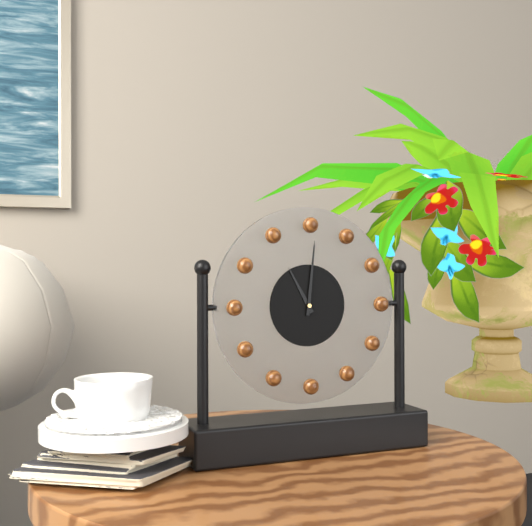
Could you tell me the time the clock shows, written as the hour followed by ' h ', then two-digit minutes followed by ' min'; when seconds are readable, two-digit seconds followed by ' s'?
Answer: 11 h 01 min
